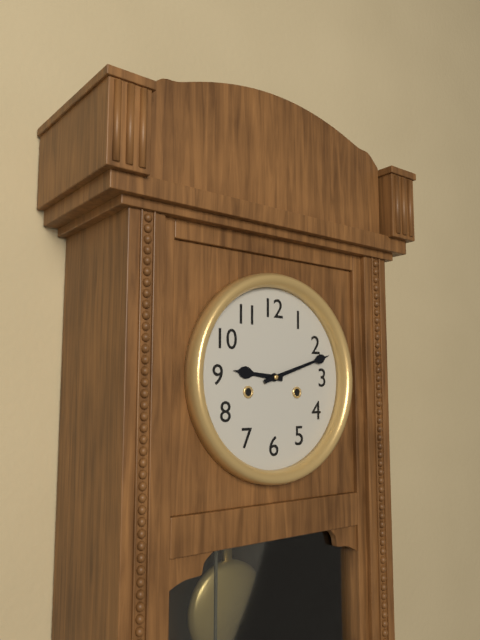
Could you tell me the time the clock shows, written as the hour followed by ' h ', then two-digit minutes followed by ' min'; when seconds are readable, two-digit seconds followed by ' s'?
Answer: 9 h 12 min
